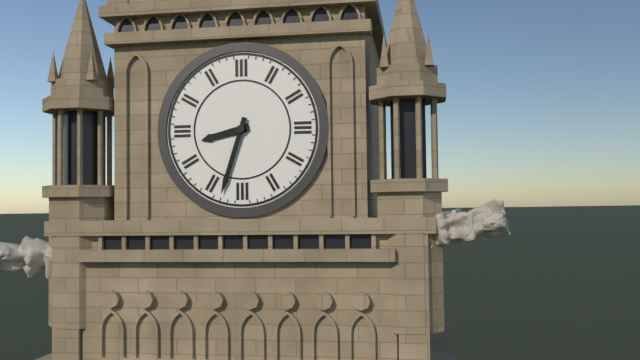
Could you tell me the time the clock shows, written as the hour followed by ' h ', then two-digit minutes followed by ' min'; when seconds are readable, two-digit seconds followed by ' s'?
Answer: 8 h 33 min
